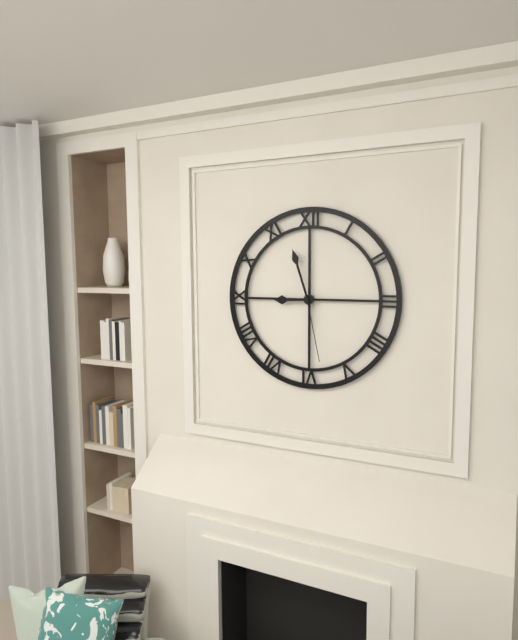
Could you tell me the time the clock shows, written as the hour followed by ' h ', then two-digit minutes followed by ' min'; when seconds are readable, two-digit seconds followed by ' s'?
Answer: 8 h 57 min 28 s
